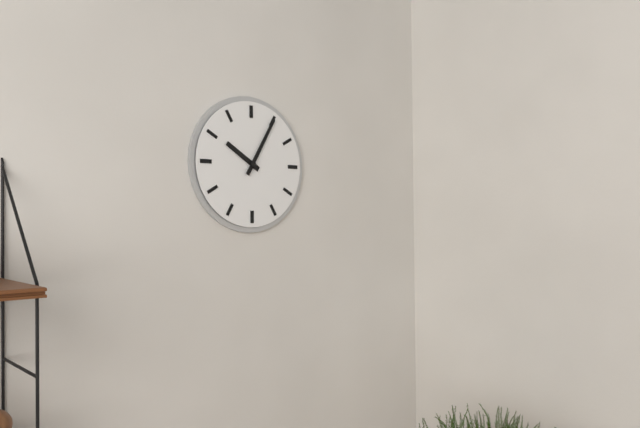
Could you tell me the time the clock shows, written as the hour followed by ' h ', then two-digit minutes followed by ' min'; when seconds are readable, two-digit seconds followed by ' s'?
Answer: 10 h 05 min
